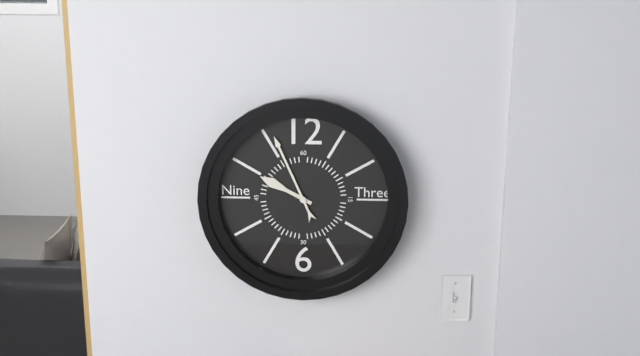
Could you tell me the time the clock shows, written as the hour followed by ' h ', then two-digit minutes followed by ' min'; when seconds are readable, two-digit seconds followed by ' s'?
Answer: 9 h 56 min
